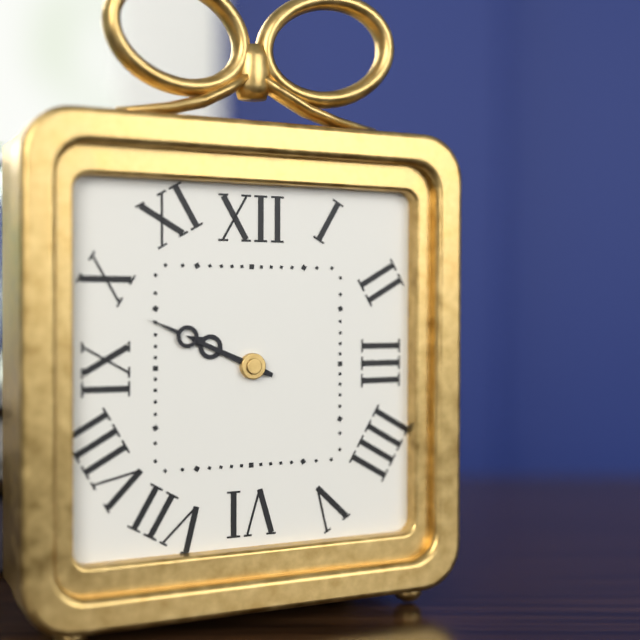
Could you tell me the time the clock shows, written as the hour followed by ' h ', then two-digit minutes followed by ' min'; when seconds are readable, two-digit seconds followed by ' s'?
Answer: 9 h 49 min
